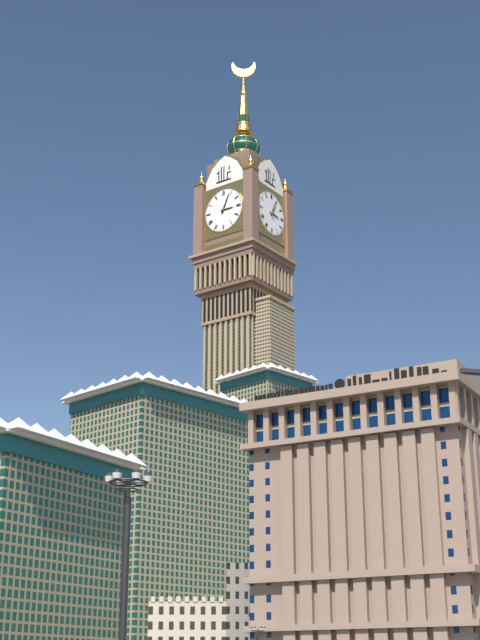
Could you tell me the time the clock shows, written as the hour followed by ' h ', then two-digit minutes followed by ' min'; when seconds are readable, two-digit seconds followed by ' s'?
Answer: 3 h 04 min
